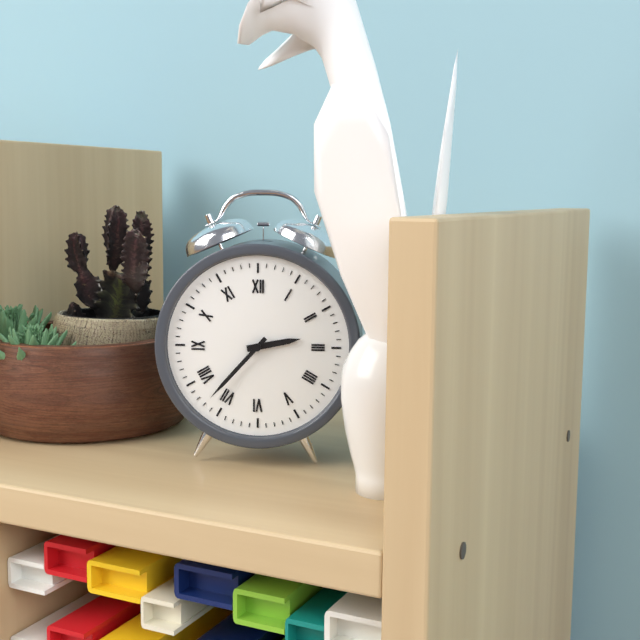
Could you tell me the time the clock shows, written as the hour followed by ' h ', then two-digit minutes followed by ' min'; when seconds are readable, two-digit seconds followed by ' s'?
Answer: 2 h 37 min
